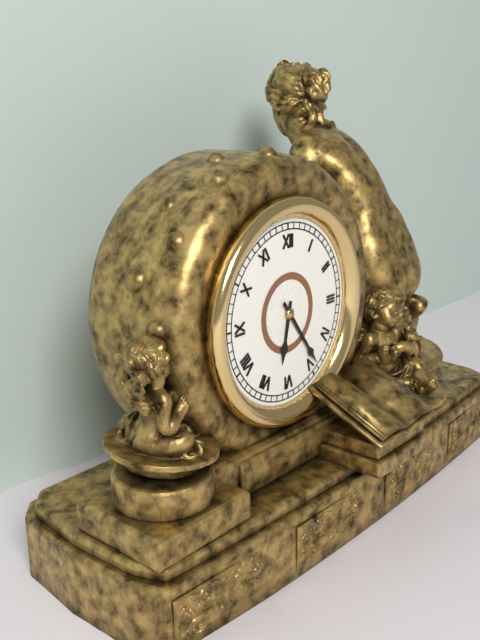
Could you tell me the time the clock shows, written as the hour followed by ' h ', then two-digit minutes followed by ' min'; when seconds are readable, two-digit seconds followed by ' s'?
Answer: 6 h 24 min
